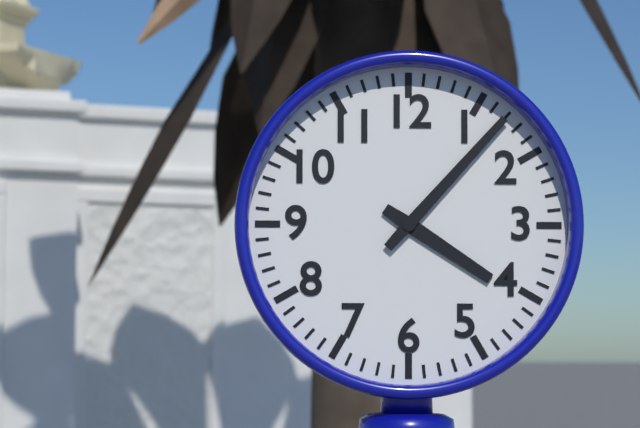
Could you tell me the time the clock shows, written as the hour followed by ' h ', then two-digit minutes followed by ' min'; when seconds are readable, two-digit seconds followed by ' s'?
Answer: 4 h 07 min
